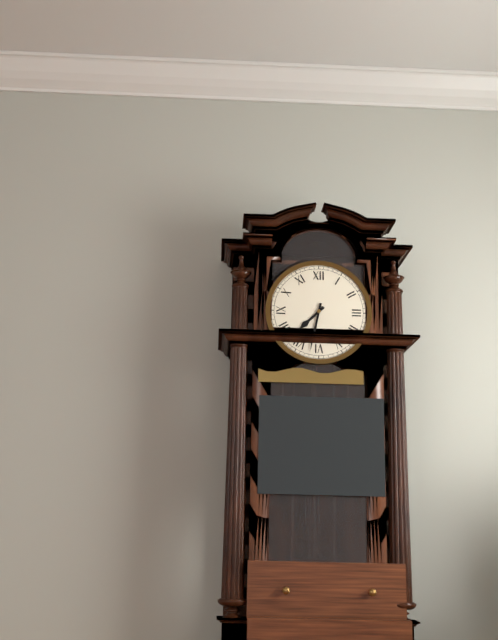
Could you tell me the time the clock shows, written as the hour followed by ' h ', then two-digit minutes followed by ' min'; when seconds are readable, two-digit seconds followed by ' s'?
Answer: 7 h 32 min
